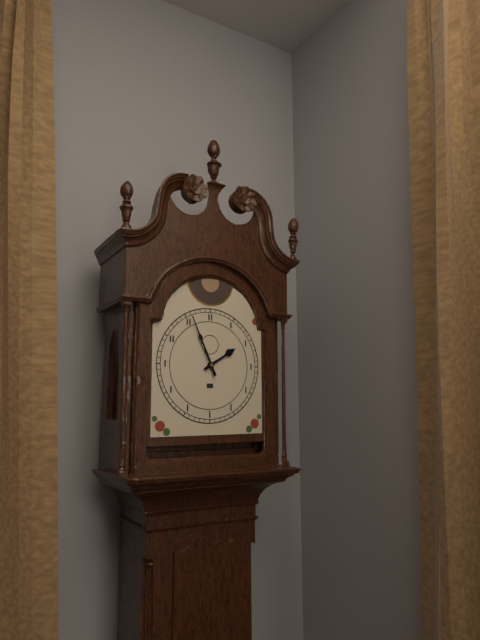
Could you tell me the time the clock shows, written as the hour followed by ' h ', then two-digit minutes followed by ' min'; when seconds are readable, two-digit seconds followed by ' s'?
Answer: 1 h 56 min
